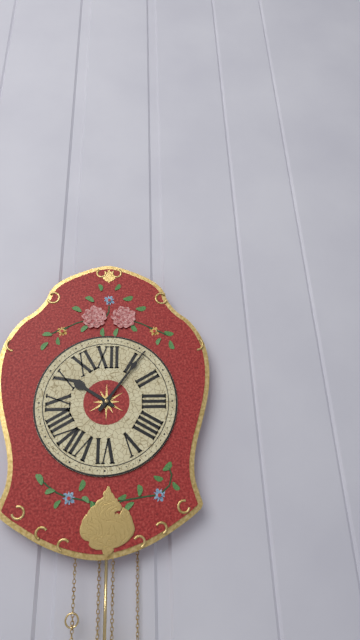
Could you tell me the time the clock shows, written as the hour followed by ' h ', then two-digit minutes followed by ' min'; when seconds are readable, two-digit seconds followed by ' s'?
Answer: 10 h 06 min
